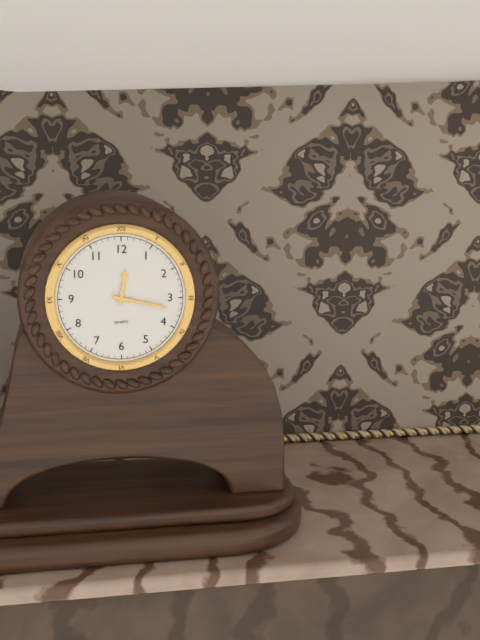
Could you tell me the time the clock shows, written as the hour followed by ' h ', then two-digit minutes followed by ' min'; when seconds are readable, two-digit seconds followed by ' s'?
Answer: 12 h 17 min
